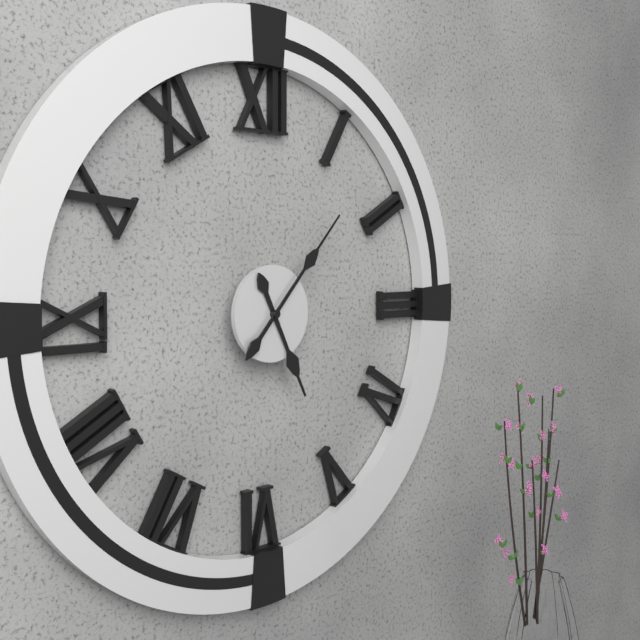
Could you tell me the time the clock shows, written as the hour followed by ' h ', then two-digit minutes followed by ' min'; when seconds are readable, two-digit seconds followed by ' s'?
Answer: 5 h 07 min
